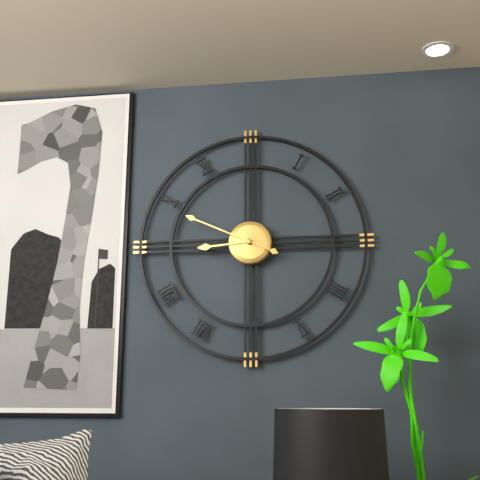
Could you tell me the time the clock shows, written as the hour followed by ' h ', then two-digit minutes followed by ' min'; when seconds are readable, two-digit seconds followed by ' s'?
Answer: 8 h 49 min
